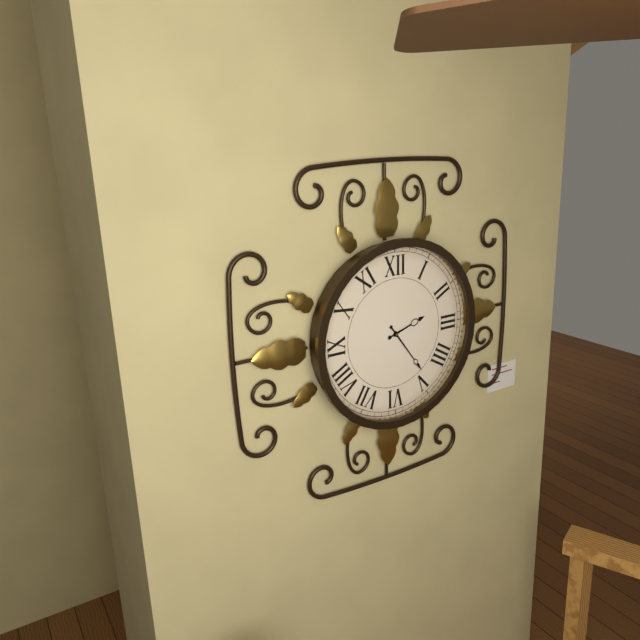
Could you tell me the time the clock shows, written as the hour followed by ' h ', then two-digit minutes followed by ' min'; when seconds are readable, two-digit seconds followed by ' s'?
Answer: 2 h 24 min
